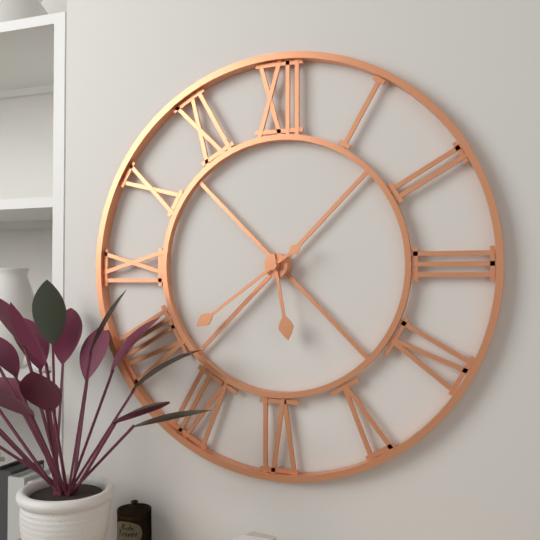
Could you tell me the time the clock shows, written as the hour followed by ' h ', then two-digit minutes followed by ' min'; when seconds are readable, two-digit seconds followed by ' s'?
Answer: 5 h 39 min
